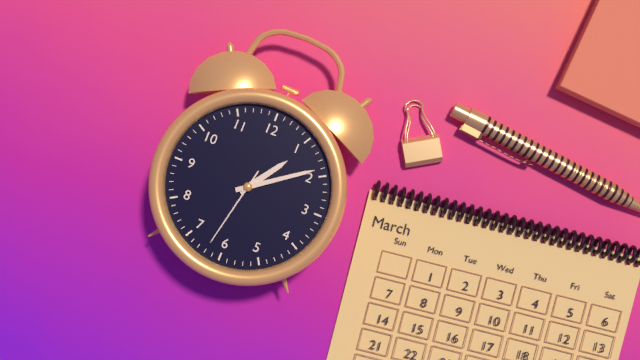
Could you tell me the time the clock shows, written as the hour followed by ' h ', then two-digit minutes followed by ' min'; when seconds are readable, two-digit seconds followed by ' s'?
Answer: 1 h 09 min 32 s
